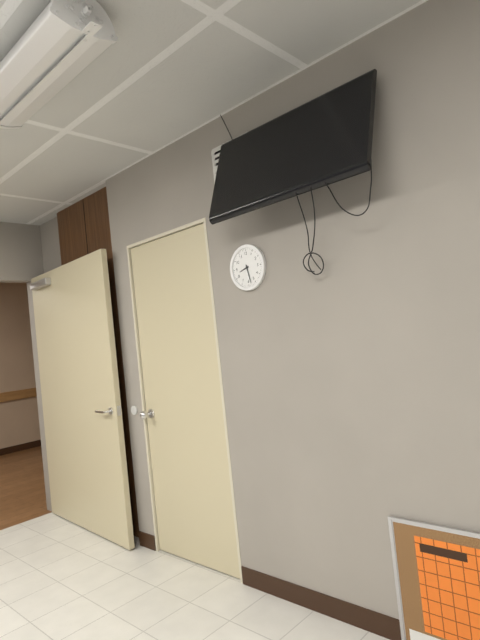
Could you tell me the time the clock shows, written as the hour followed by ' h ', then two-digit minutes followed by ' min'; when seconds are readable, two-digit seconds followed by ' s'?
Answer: 8 h 28 min
